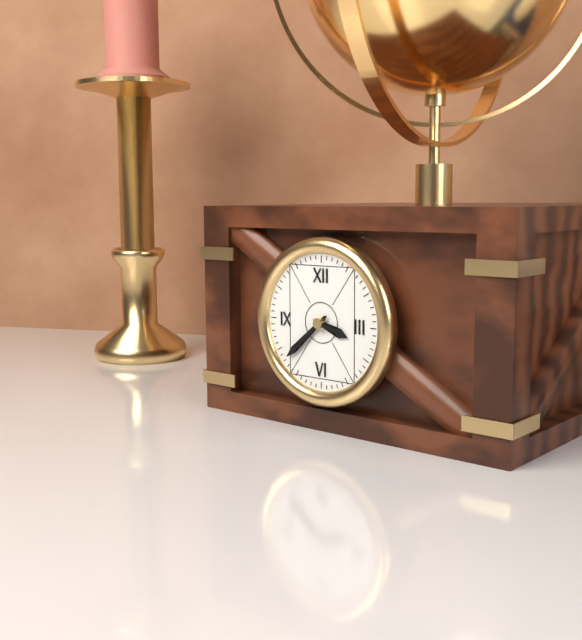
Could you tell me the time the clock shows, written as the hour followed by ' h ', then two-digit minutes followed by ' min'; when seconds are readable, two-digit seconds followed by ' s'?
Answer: 3 h 38 min
